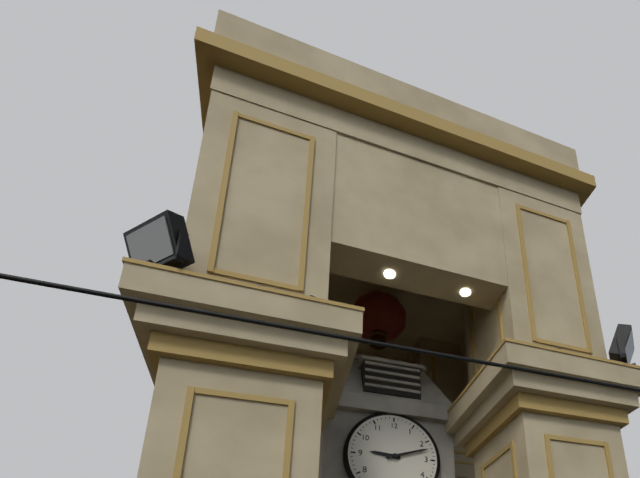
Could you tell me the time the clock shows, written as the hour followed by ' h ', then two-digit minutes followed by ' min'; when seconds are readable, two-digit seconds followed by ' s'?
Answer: 9 h 12 min
